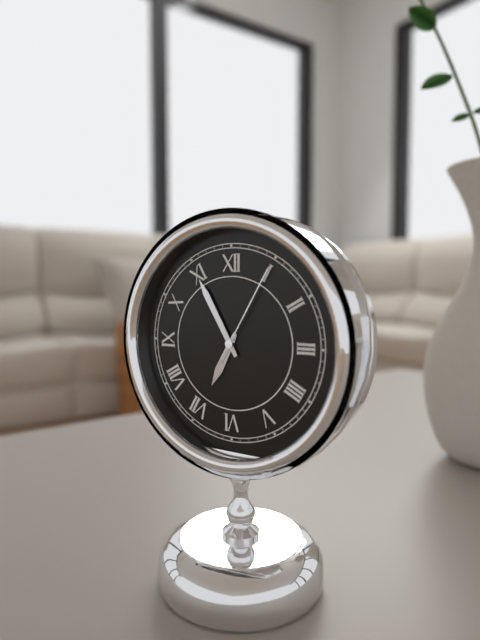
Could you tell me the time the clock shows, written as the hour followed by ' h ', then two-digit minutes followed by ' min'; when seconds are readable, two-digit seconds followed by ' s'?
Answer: 6 h 55 min 05 s
